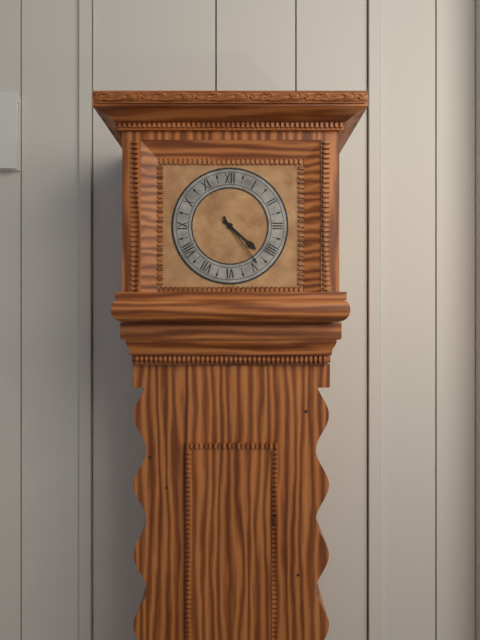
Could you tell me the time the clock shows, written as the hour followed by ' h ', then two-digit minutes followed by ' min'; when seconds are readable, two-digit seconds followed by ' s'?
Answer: 4 h 24 min
